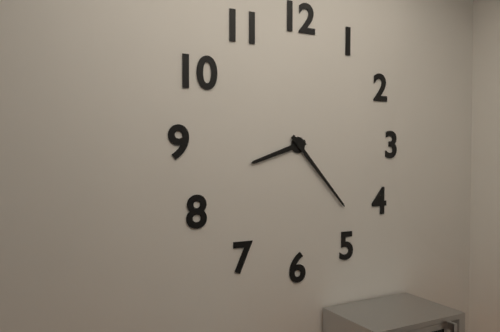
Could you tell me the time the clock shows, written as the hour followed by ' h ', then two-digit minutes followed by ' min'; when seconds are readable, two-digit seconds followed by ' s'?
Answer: 8 h 23 min
